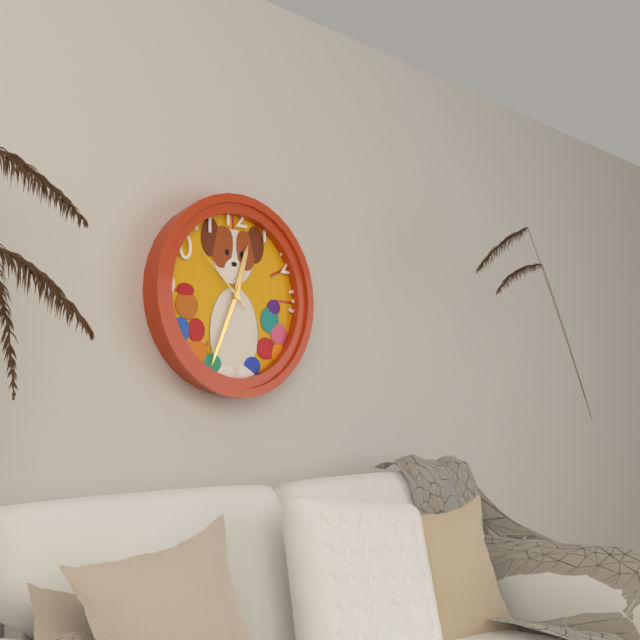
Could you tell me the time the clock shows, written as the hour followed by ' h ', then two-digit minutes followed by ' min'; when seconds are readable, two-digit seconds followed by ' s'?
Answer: 12 h 34 min 52 s
